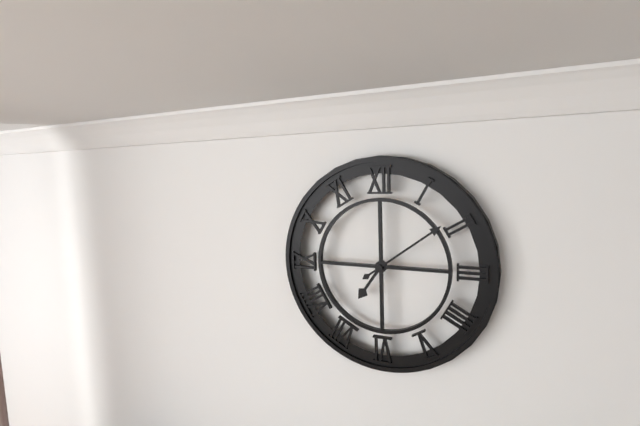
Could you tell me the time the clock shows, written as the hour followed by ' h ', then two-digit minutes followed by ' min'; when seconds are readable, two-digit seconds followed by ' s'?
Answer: 7 h 09 min
